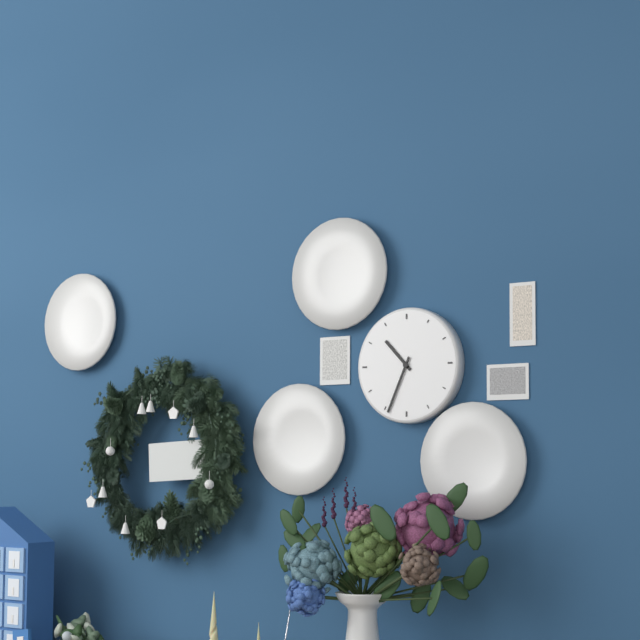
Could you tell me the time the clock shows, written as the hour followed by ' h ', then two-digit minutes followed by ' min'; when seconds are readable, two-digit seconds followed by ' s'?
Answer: 10 h 34 min
